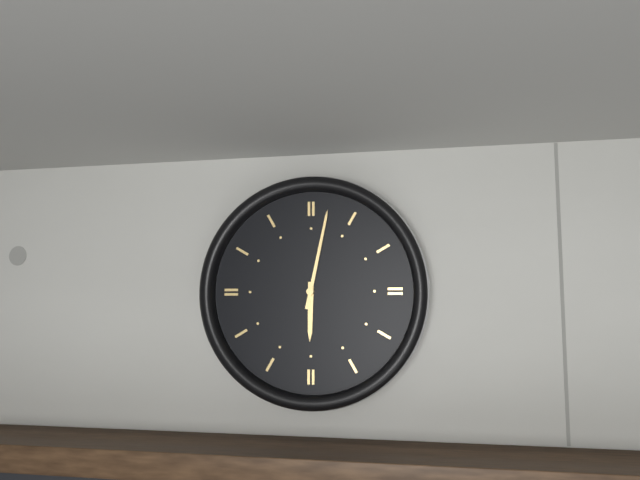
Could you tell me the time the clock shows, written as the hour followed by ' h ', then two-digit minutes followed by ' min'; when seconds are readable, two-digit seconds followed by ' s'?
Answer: 6 h 02 min
